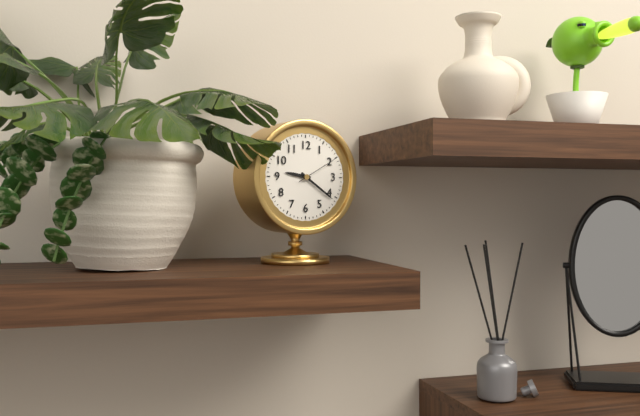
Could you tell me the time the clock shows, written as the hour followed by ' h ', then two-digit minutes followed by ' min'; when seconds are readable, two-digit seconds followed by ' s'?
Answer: 9 h 21 min
